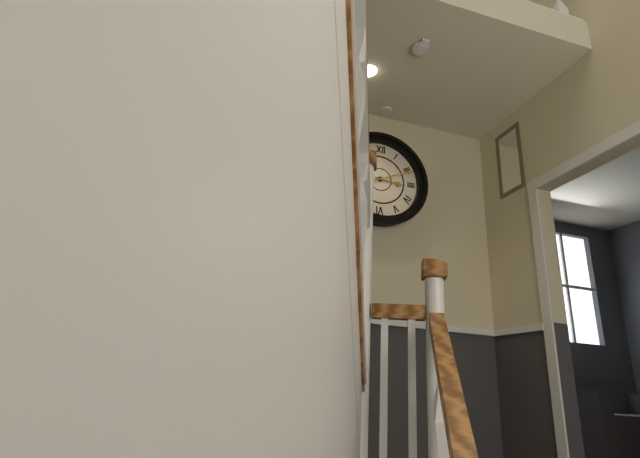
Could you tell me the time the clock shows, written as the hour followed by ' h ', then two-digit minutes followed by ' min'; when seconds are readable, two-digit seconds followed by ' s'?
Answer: 3 h 11 min
